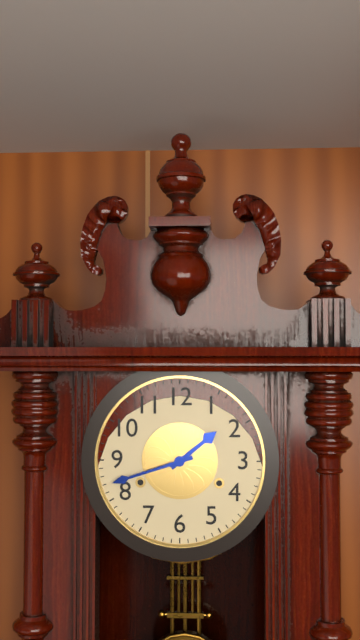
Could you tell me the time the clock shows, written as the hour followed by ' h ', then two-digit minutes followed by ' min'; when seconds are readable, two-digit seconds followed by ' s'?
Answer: 1 h 42 min
